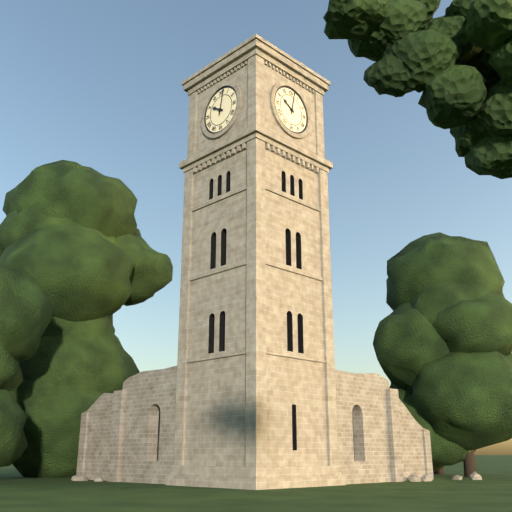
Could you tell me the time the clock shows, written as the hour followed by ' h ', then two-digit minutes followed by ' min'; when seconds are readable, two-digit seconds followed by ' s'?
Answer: 10 h 02 min
